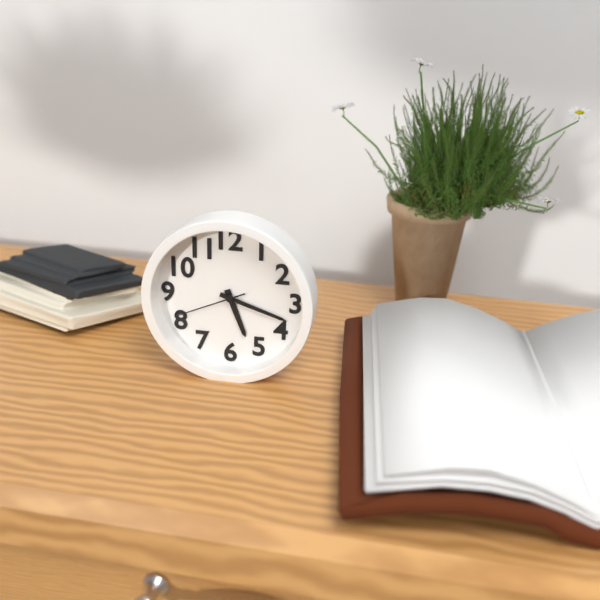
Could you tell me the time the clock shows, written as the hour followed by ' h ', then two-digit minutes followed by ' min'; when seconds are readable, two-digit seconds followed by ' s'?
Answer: 5 h 18 min 41 s
